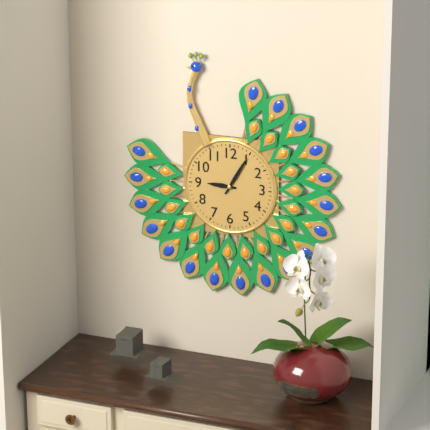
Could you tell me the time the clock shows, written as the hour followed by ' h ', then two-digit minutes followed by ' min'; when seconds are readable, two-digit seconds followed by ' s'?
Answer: 9 h 05 min
